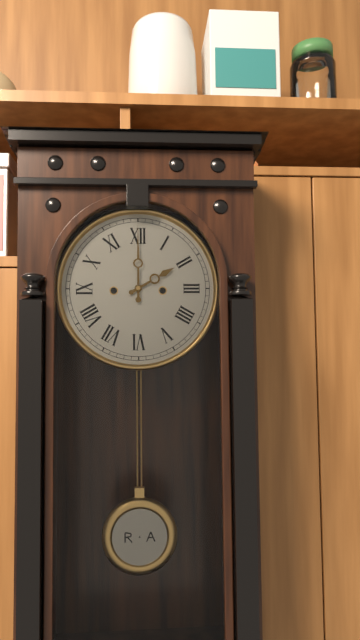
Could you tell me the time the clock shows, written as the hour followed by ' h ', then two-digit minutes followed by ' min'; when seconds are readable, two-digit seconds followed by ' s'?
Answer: 2 h 00 min
